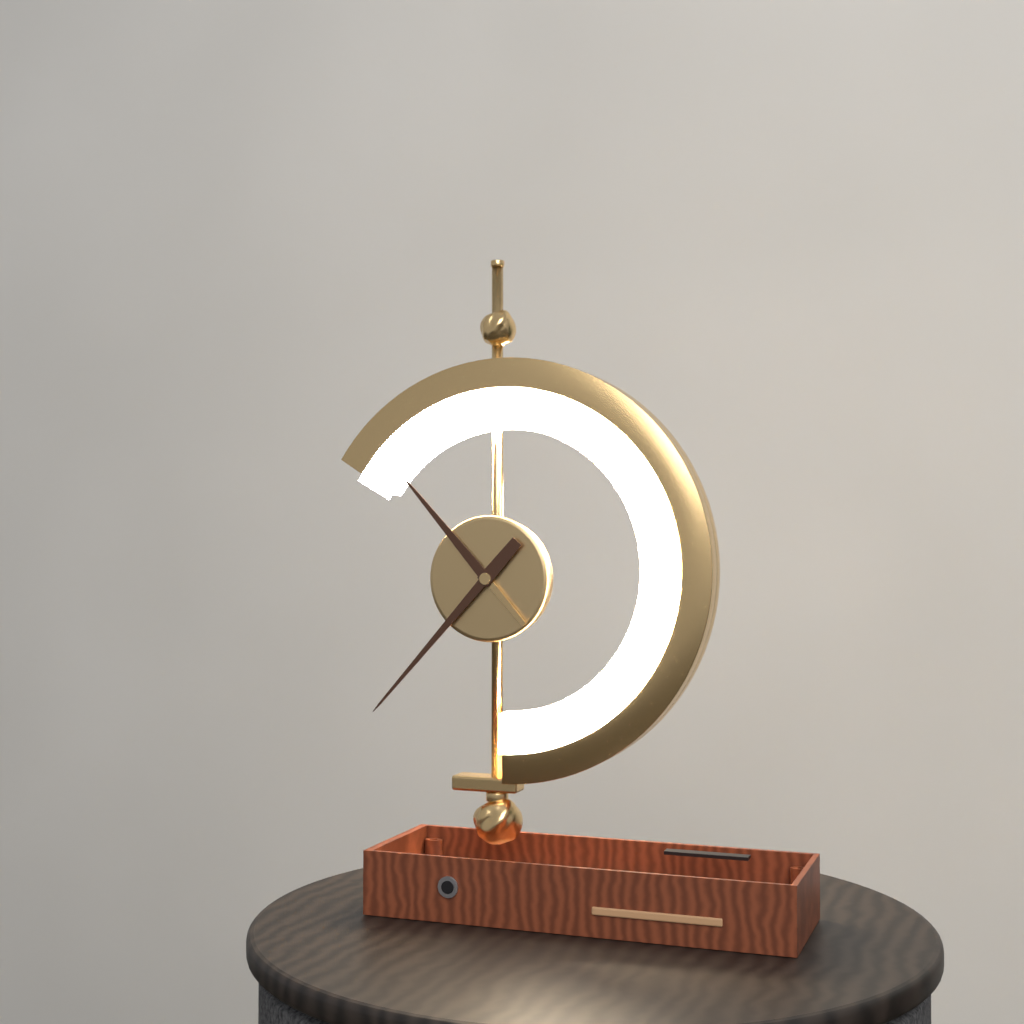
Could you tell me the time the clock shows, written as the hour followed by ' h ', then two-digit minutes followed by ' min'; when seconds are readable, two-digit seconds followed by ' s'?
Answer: 10 h 37 min
